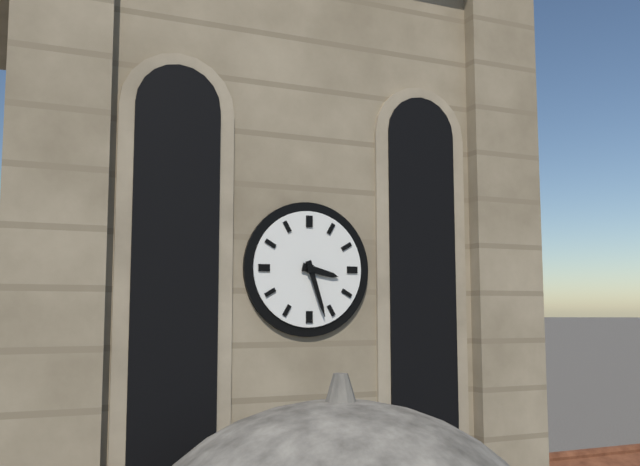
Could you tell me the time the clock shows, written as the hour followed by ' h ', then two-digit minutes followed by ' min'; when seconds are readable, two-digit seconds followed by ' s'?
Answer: 3 h 27 min
